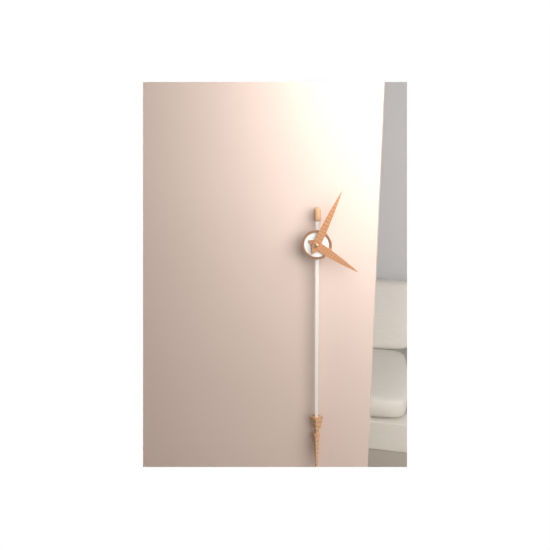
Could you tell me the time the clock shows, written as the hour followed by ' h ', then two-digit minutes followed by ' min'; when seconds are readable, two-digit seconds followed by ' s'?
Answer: 4 h 04 min
